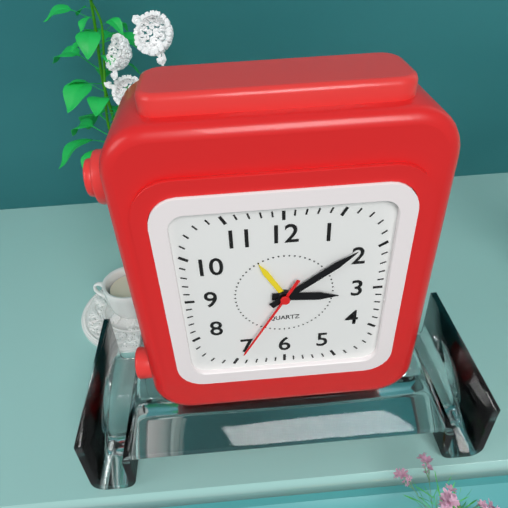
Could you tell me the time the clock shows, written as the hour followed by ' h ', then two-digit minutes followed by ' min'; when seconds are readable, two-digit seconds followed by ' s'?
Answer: 3 h 09 min 35 s
